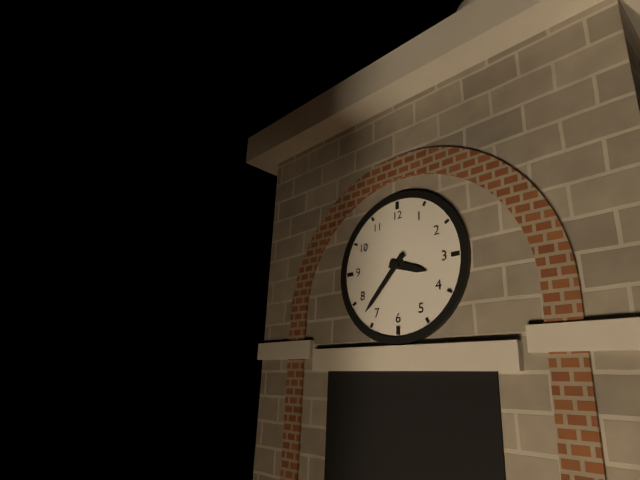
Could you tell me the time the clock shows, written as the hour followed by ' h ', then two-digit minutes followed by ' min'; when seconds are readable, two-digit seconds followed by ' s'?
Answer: 3 h 37 min
